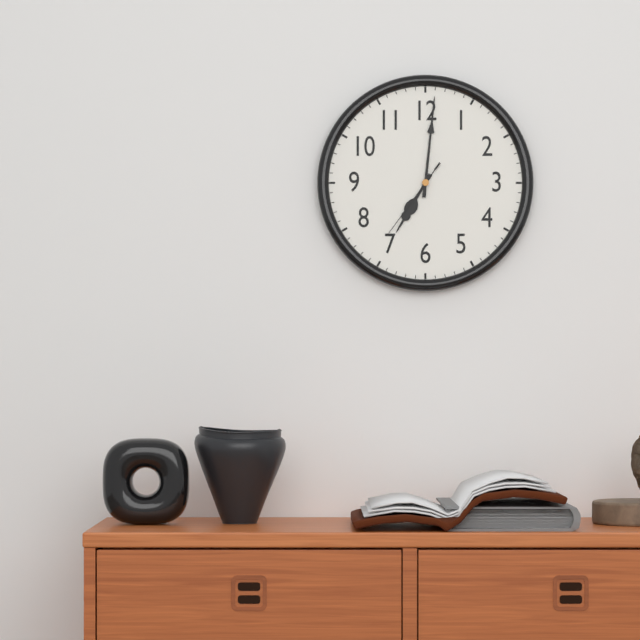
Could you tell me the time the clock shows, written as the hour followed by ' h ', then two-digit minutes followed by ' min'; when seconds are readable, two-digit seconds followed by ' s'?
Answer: 7 h 01 min 36 s
